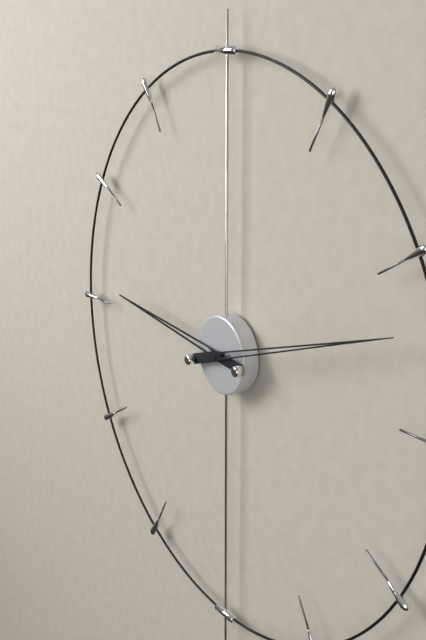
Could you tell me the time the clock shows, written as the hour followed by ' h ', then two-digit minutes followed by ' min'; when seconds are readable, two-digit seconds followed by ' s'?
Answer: 9 h 12 min
